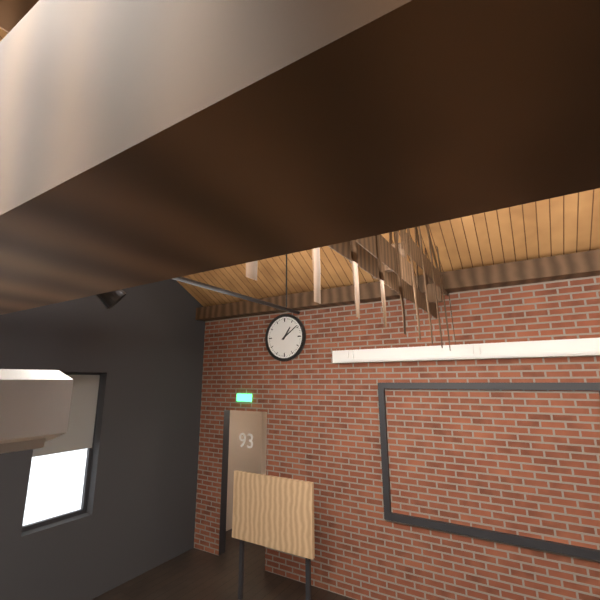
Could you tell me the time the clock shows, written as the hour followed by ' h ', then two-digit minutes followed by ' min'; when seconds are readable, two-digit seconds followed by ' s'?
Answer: 1 h 09 min
